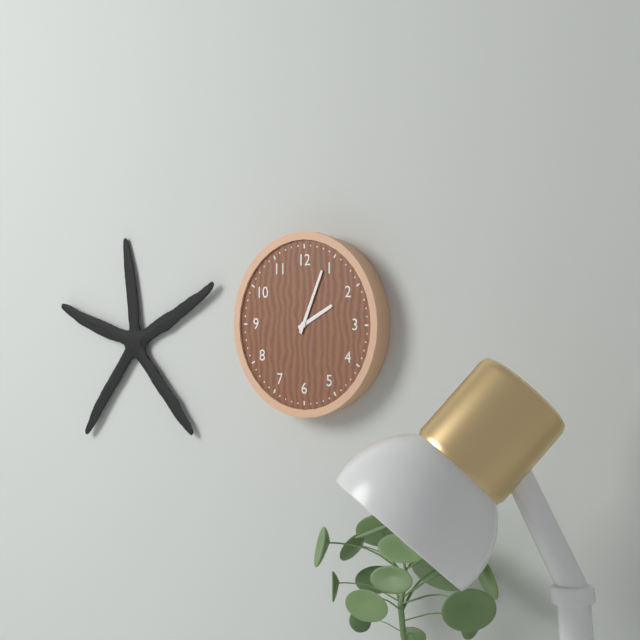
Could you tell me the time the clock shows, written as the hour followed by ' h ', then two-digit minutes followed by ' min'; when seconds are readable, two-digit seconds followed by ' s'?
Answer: 2 h 04 min
